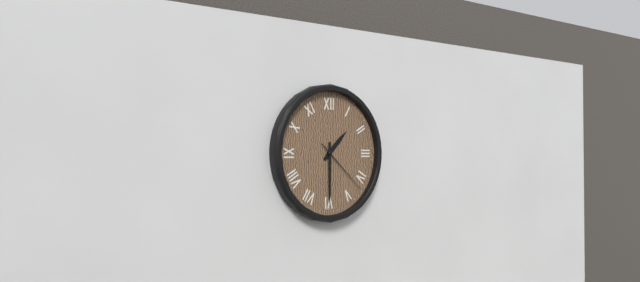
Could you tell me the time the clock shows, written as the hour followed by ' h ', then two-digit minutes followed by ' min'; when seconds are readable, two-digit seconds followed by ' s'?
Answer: 1 h 30 min 22 s
